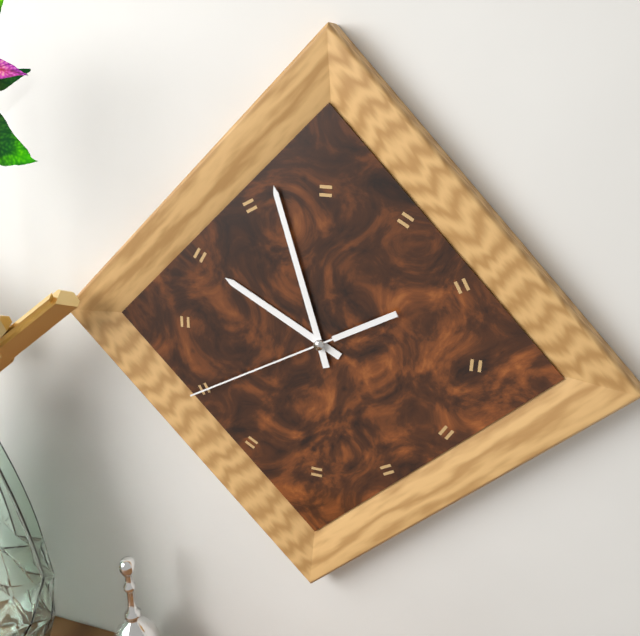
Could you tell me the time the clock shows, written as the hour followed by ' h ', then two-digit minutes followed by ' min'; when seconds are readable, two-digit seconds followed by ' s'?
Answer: 9 h 57 min 40 s
